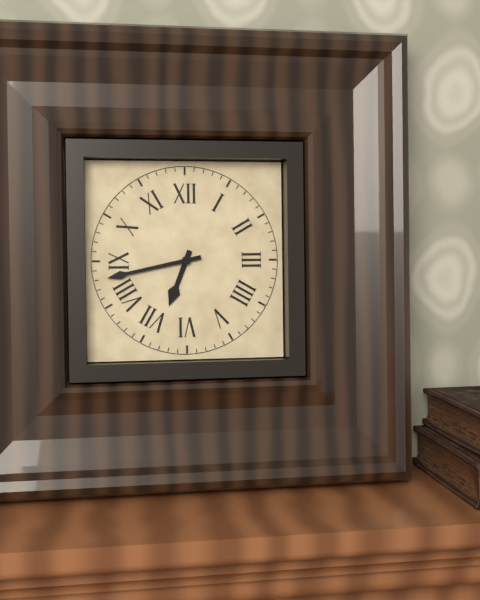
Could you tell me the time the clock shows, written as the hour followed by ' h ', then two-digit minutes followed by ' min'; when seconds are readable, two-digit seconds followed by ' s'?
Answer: 6 h 43 min
